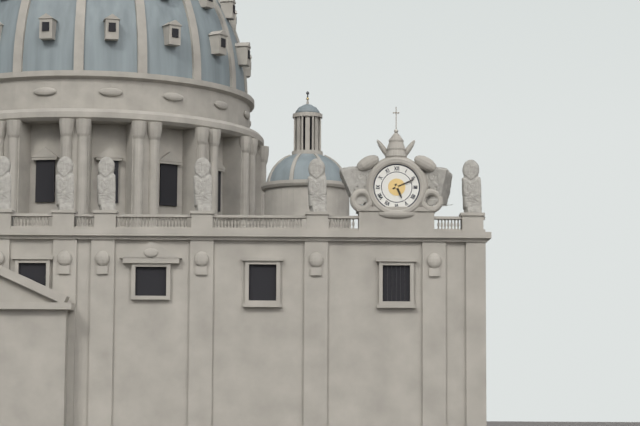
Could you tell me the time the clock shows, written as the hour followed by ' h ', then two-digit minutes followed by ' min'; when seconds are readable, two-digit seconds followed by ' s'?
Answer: 5 h 11 min
